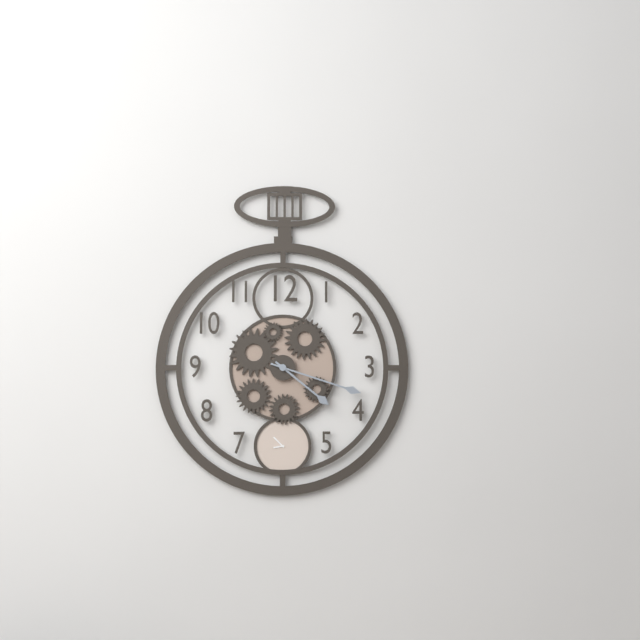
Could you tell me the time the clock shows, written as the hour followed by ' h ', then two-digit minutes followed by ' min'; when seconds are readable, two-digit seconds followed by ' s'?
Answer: 4 h 18 min
